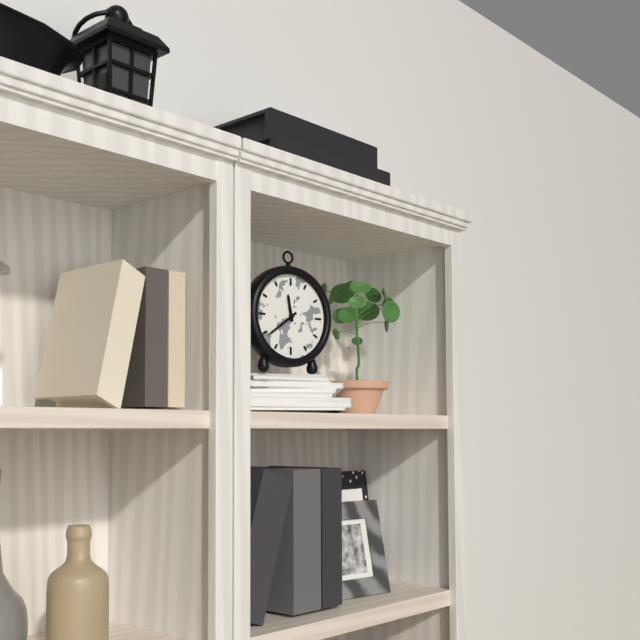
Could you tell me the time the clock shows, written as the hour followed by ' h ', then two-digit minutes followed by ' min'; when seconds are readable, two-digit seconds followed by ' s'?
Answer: 11 h 39 min
